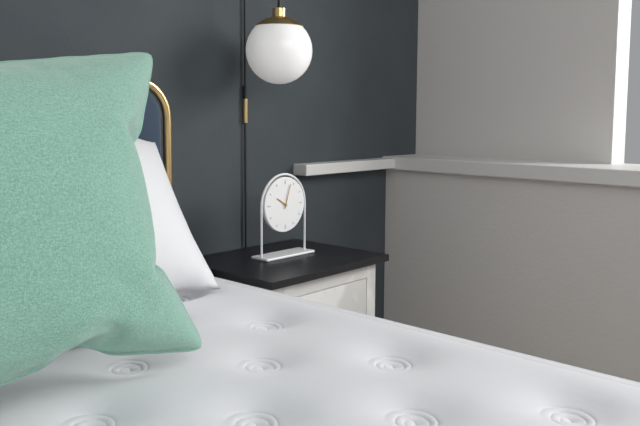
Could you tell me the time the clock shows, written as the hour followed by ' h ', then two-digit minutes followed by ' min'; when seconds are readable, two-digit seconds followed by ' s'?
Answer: 10 h 03 min
